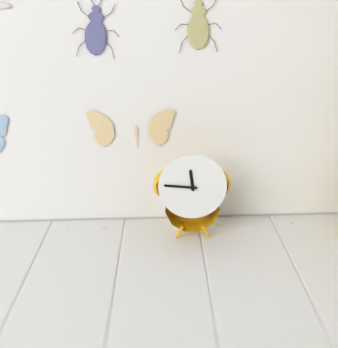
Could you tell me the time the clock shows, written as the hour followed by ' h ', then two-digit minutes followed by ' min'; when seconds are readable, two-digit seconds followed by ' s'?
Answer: 11 h 46 min
